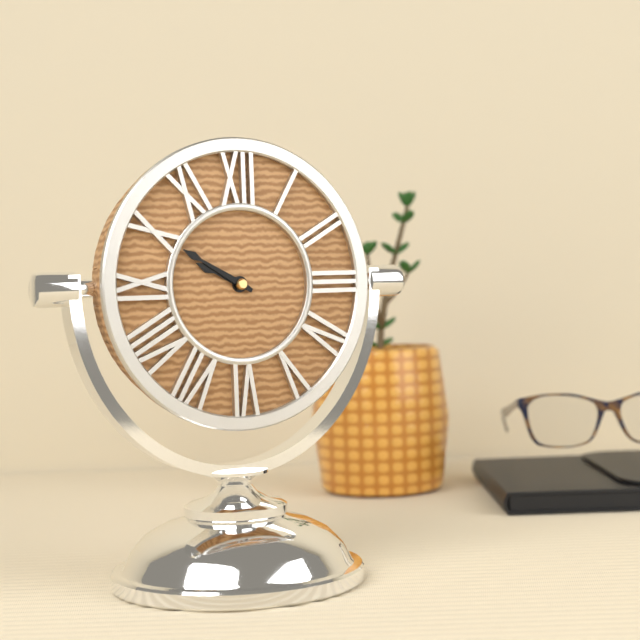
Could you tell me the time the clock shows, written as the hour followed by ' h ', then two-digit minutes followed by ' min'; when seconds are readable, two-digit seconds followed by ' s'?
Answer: 9 h 50 min
